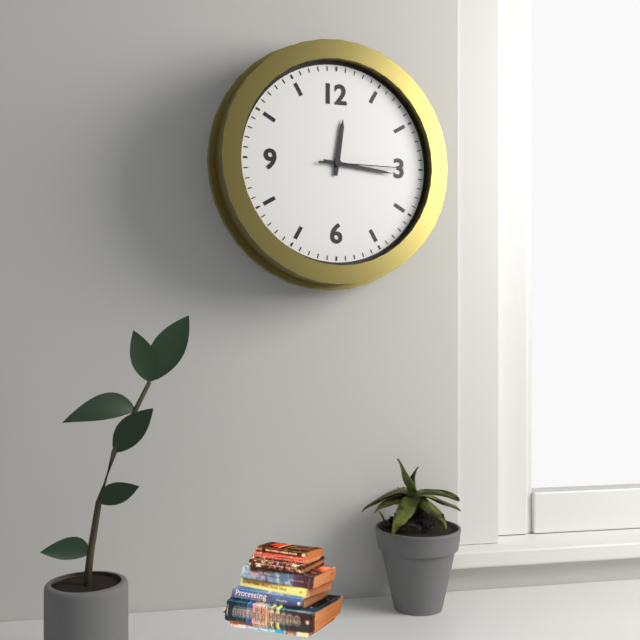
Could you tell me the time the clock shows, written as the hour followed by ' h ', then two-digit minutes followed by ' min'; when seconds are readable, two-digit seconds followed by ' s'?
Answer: 12 h 16 min 15 s
